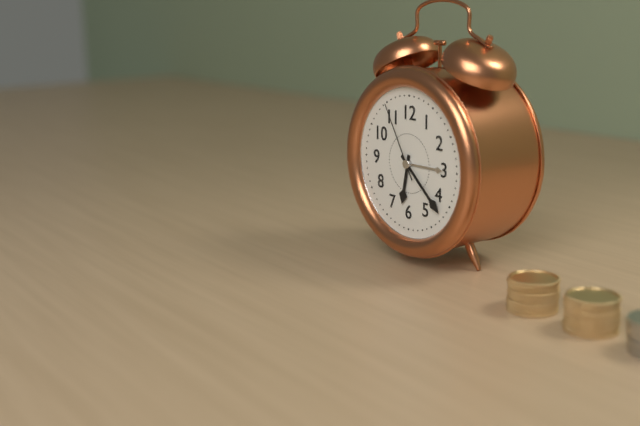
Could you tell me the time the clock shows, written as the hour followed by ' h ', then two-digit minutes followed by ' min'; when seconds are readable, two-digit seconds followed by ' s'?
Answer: 6 h 22 min 55 s
